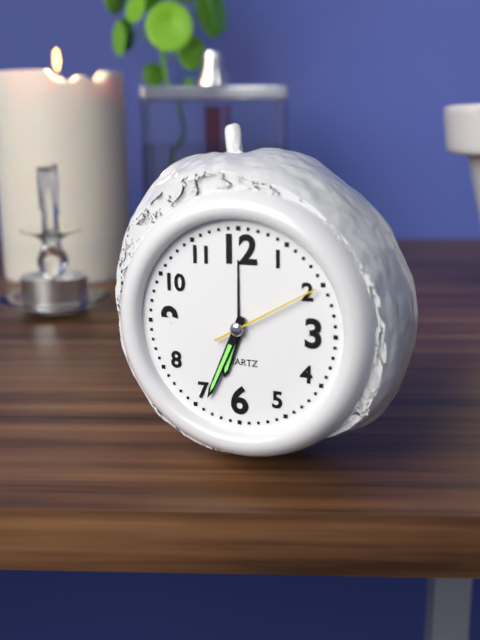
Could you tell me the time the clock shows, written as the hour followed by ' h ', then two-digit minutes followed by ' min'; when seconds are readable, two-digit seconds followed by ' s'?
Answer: 6 h 34 min 10 s
